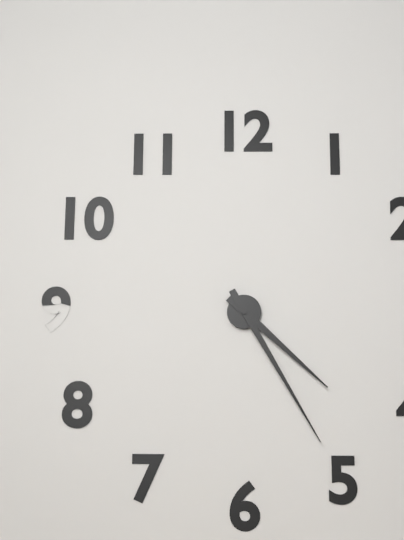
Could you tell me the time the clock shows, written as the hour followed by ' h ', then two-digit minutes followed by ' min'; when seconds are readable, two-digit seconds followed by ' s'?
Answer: 4 h 25 min
